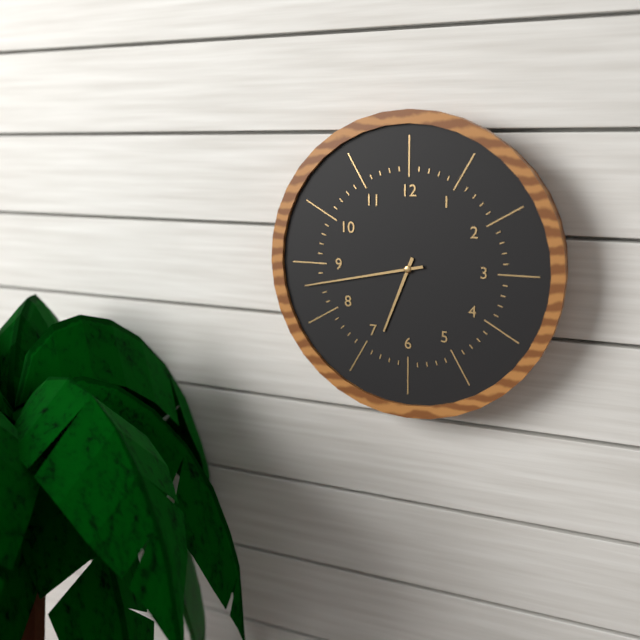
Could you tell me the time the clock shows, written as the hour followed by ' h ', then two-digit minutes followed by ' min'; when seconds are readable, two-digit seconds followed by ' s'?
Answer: 6 h 43 min
